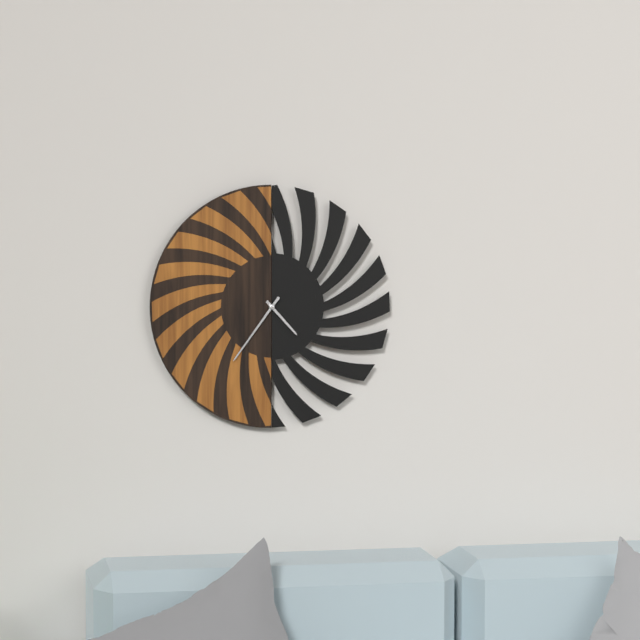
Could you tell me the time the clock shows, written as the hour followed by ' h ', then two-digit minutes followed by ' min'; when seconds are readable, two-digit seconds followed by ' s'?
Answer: 4 h 36 min
